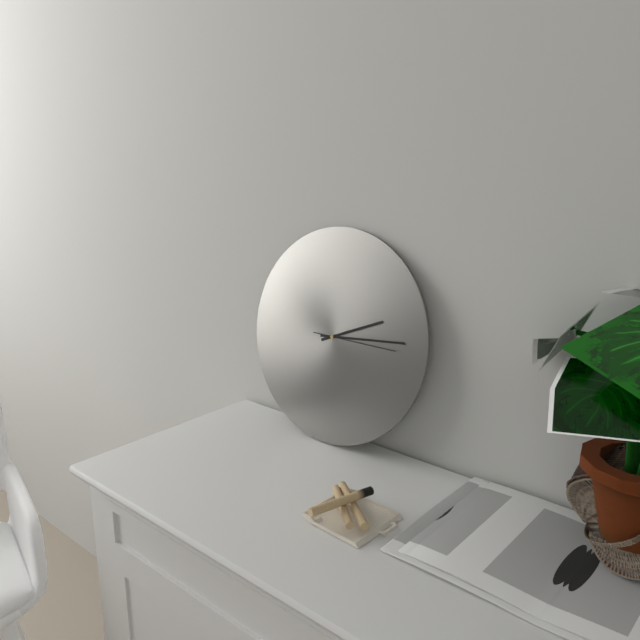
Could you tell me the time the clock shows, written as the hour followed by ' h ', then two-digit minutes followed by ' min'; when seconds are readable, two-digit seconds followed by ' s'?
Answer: 2 h 14 min 15 s
